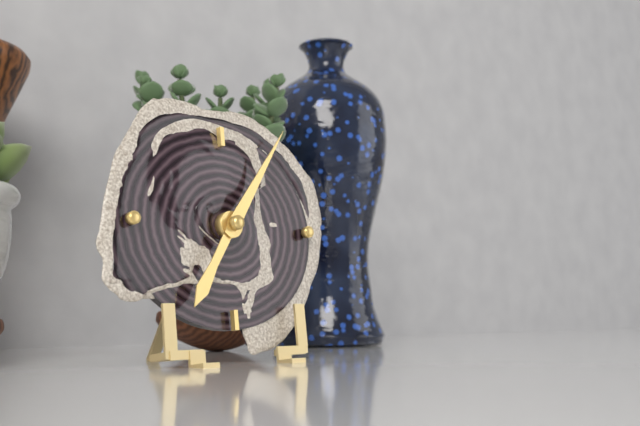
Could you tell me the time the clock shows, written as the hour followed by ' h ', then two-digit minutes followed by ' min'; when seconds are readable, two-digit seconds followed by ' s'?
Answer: 7 h 06 min
